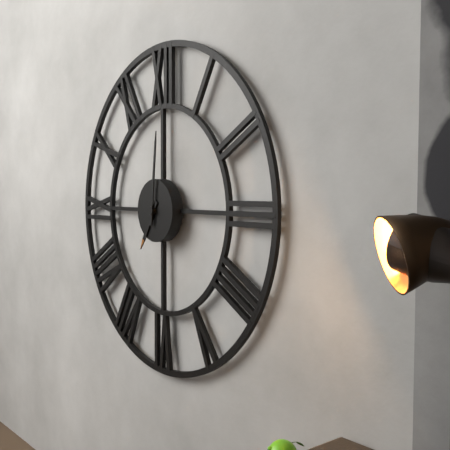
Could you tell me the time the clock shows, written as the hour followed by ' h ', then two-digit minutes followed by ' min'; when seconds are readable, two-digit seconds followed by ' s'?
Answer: 7 h 01 min
